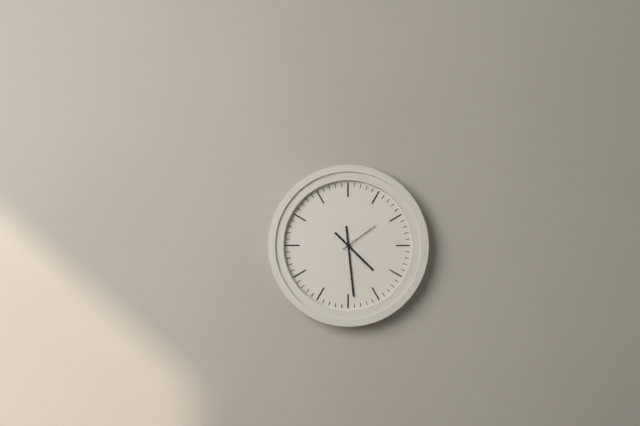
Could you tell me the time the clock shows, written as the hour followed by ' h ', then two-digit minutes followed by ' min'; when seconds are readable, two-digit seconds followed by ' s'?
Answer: 4 h 29 min
